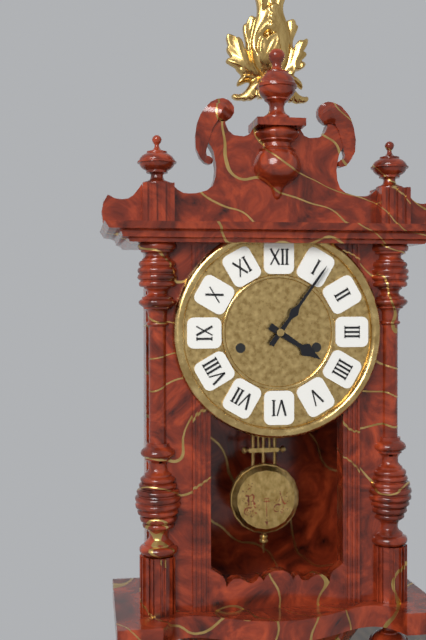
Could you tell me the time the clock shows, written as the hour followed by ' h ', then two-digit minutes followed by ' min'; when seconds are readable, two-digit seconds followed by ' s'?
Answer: 4 h 06 min
